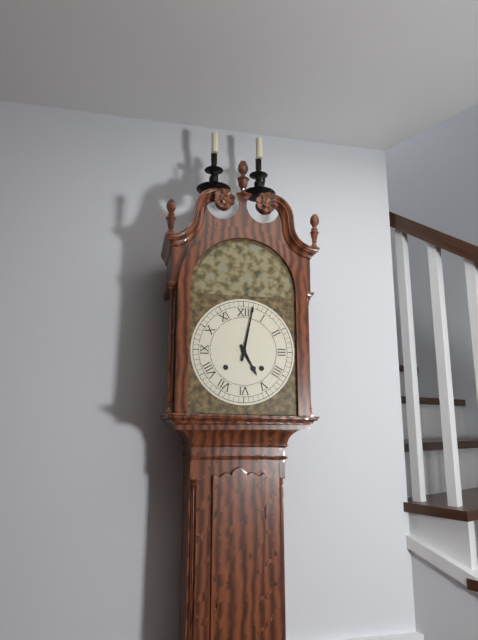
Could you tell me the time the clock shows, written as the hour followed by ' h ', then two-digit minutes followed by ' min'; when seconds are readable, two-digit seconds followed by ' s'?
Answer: 5 h 02 min
